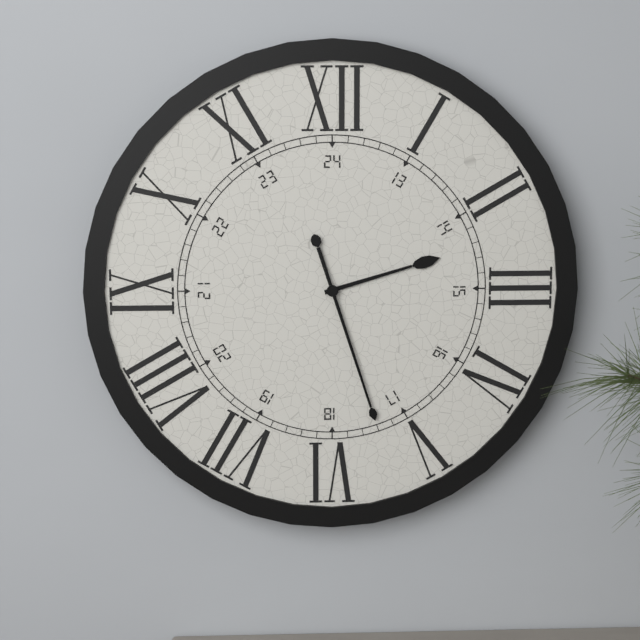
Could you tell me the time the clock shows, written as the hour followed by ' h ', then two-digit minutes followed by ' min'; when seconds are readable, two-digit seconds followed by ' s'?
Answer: 2 h 27 min
